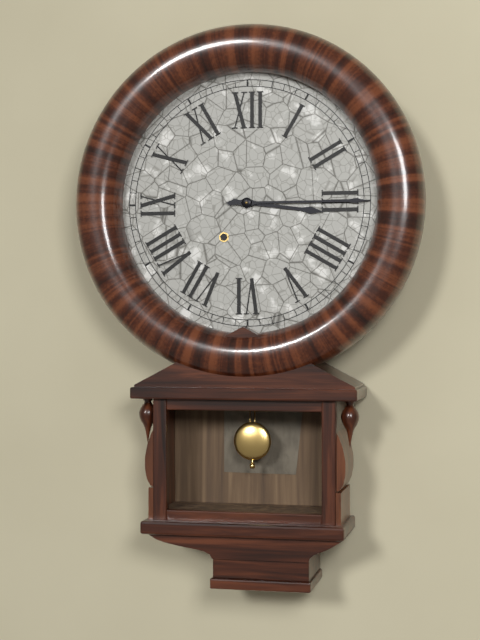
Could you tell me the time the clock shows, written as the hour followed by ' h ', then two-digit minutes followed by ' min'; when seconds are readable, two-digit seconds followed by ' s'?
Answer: 3 h 15 min
